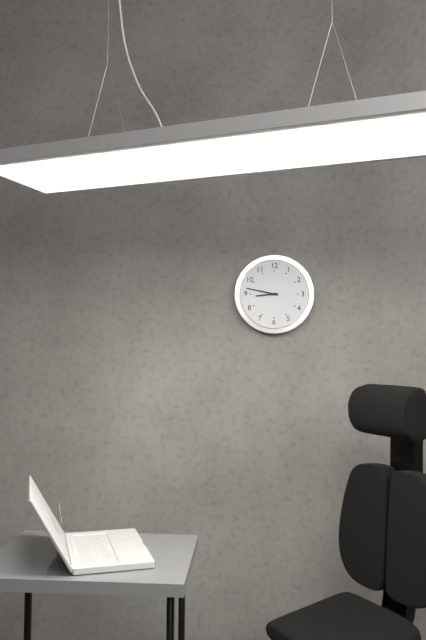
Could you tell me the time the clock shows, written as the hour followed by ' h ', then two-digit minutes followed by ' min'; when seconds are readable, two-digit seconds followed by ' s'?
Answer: 8 h 47 min
